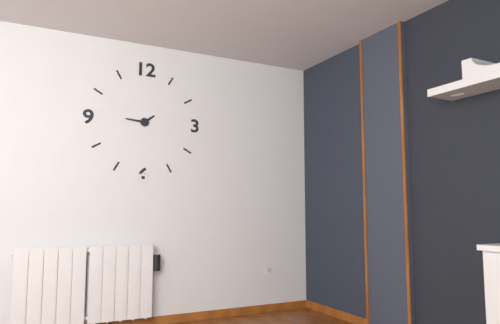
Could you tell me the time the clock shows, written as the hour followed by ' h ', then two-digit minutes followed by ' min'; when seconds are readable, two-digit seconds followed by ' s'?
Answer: 1 h 46 min
